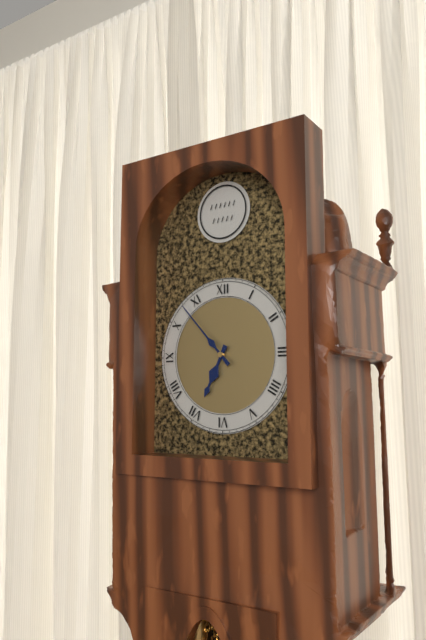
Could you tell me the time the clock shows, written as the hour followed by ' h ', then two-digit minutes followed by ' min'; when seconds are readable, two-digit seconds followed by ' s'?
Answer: 6 h 53 min
